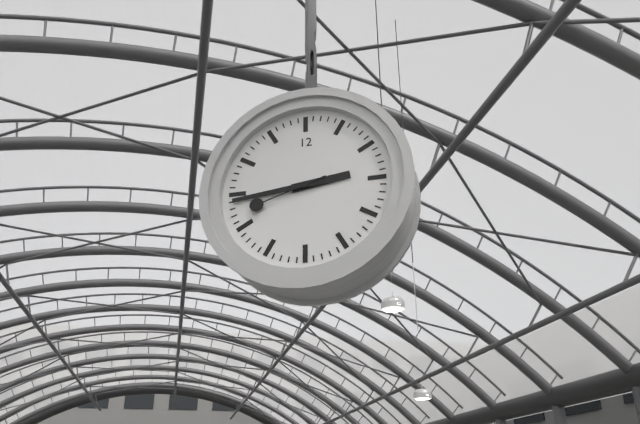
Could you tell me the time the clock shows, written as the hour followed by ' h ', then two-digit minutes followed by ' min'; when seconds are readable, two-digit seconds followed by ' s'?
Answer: 2 h 44 min 42 s
